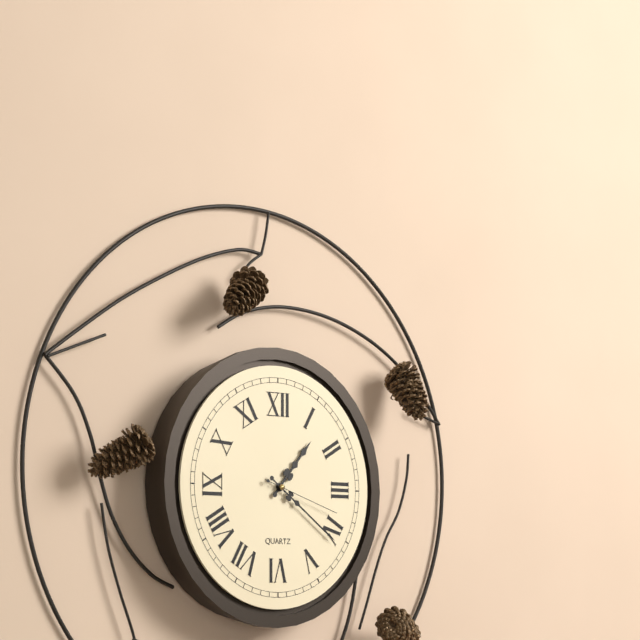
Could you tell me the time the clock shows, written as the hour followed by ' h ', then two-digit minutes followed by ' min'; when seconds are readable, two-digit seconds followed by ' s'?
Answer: 1 h 21 min 18 s
